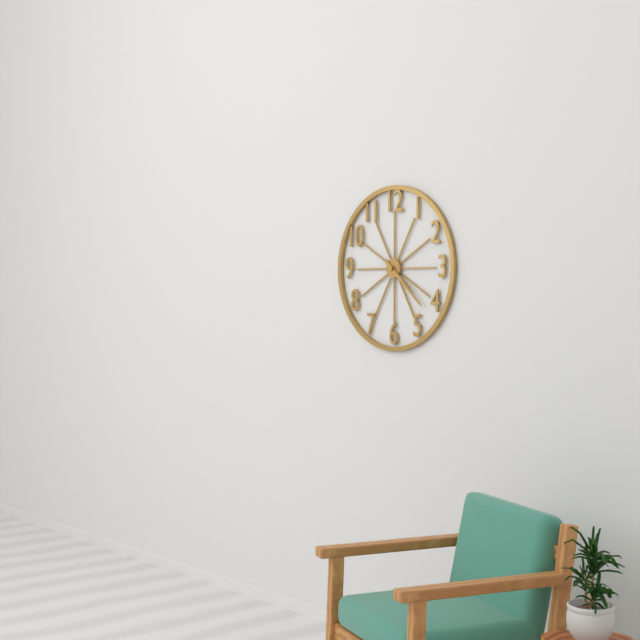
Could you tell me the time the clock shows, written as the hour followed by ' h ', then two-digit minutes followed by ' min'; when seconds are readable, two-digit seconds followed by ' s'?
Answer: 4 h 22 min
